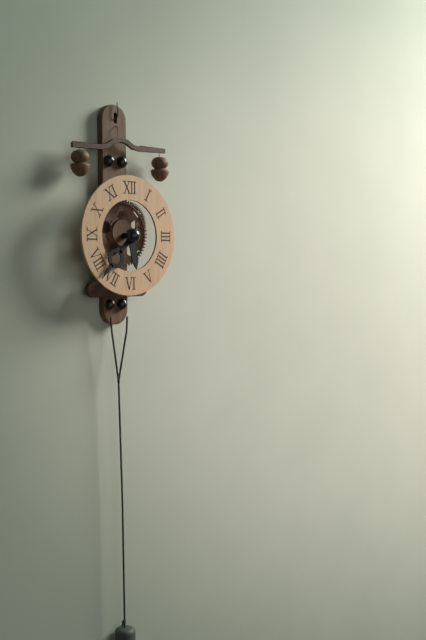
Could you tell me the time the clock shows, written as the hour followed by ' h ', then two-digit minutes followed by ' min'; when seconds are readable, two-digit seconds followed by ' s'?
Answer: 5 h 37 min
